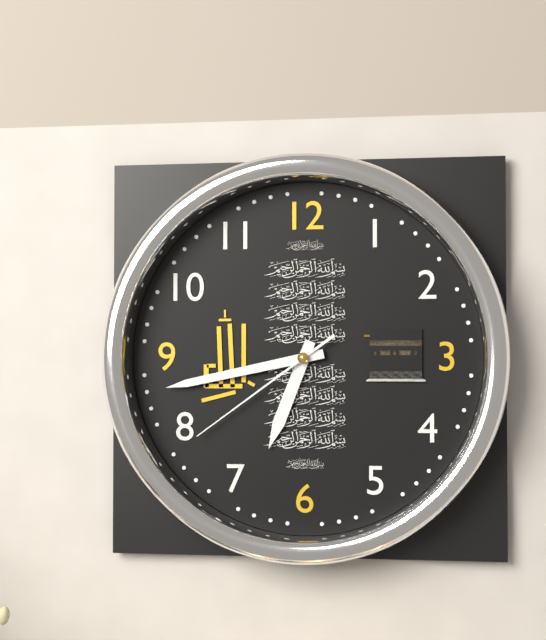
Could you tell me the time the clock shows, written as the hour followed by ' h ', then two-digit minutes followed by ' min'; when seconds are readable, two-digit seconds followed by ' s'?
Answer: 6 h 43 min 39 s
